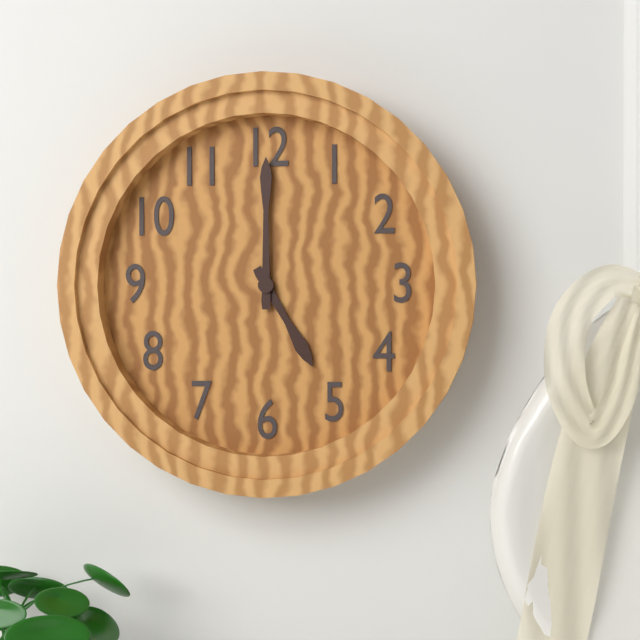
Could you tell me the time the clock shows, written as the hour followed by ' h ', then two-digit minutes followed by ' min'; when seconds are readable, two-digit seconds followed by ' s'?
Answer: 5 h 00 min
